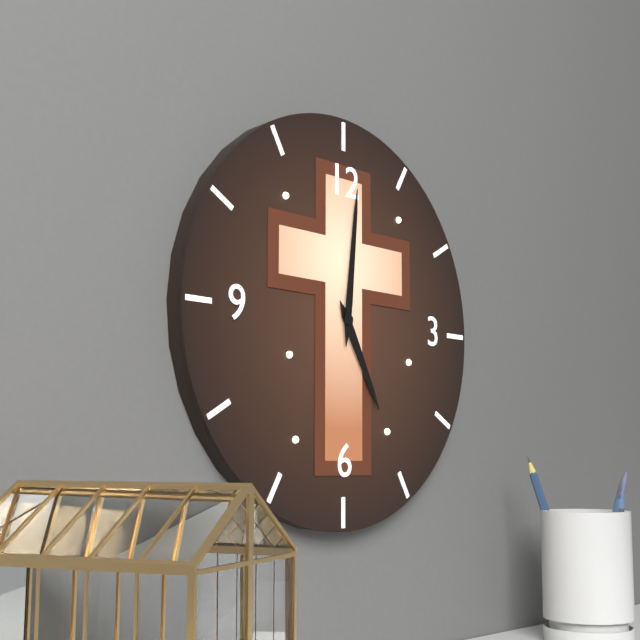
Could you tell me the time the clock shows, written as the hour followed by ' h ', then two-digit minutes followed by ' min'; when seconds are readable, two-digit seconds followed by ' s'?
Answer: 5 h 01 min
